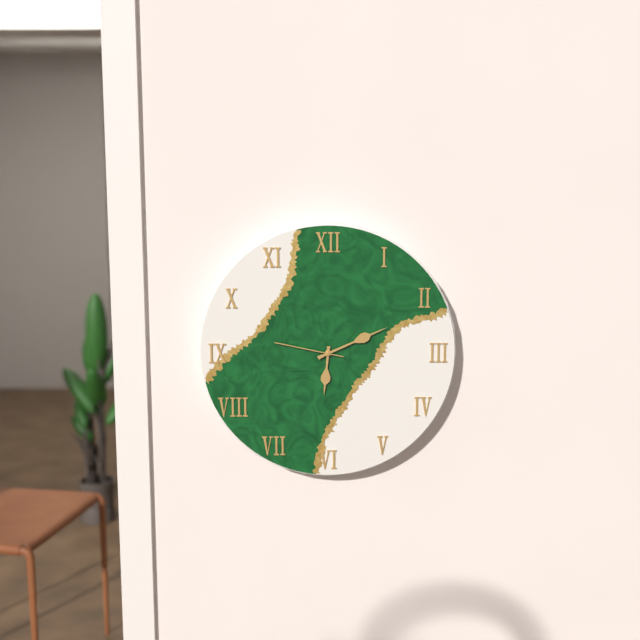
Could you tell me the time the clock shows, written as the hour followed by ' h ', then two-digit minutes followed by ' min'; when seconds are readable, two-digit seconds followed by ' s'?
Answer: 6 h 11 min 47 s
